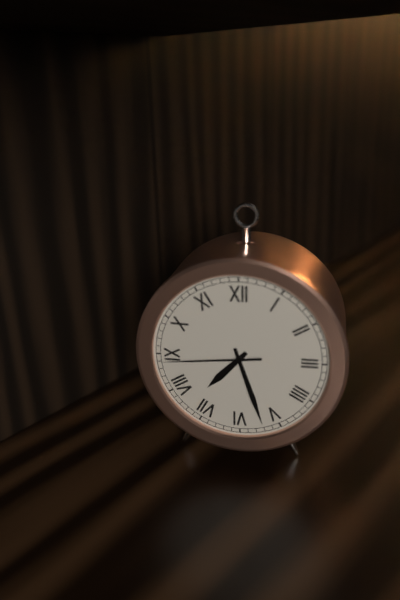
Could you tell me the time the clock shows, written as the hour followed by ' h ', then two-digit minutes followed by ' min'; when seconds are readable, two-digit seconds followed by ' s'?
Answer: 7 h 27 min 44 s
